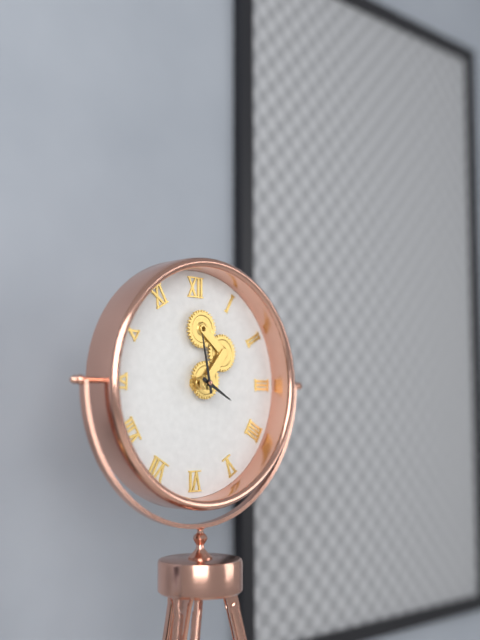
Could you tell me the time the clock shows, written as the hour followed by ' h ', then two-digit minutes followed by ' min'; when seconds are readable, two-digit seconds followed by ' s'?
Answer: 3 h 58 min
